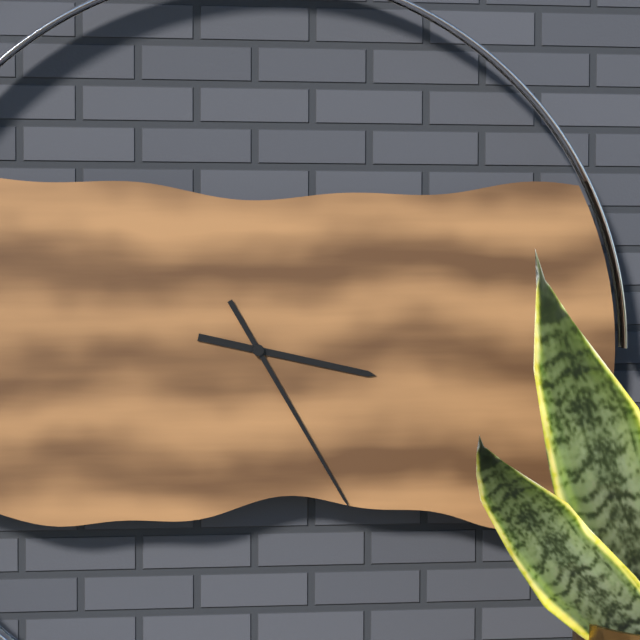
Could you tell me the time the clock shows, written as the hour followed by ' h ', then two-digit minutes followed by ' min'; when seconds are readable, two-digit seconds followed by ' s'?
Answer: 3 h 25 min
